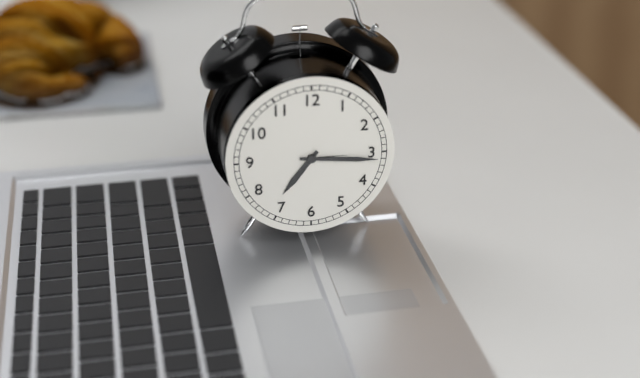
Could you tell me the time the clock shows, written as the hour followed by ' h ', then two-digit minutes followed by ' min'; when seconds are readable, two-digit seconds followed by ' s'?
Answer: 7 h 16 min
